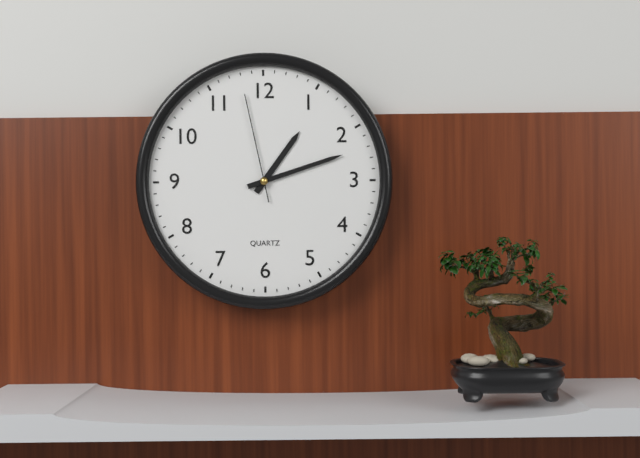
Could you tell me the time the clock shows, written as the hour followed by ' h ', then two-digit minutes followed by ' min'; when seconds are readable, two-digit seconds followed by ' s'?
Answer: 1 h 12 min 58 s
